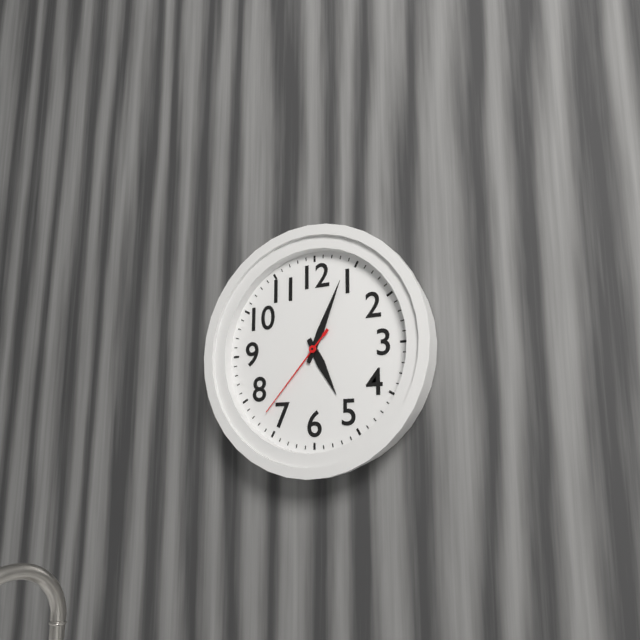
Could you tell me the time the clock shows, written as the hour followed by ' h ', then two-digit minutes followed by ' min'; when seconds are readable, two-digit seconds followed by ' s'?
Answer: 5 h 04 min 37 s
